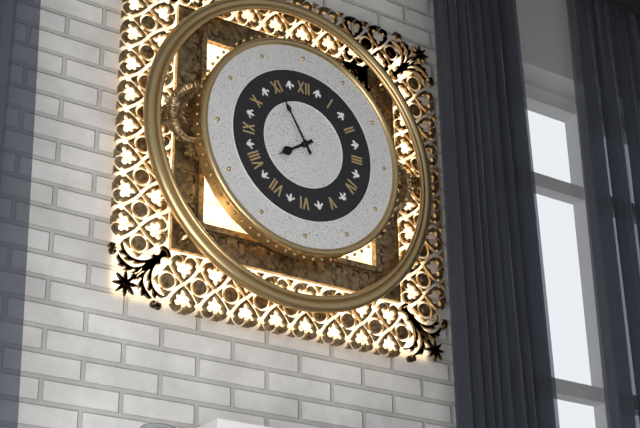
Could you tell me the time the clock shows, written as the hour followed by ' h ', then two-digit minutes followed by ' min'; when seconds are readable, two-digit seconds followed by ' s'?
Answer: 7 h 55 min
